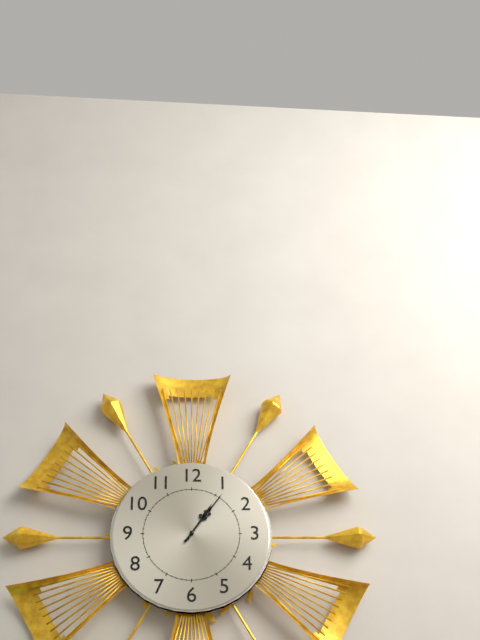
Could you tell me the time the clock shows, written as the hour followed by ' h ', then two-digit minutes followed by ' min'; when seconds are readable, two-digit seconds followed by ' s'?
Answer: 1 h 06 min
